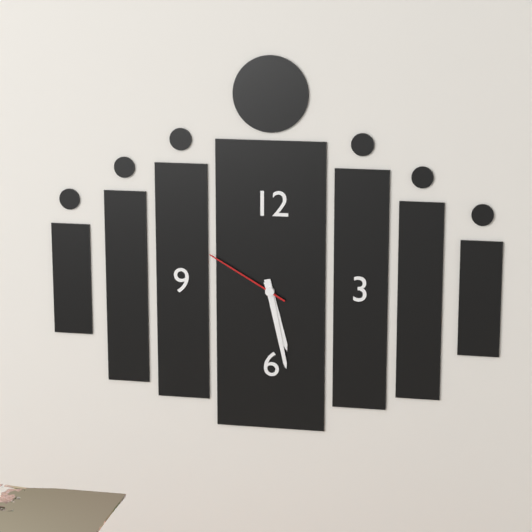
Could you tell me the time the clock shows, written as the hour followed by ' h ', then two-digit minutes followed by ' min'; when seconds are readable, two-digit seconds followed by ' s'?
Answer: 5 h 28 min 50 s
